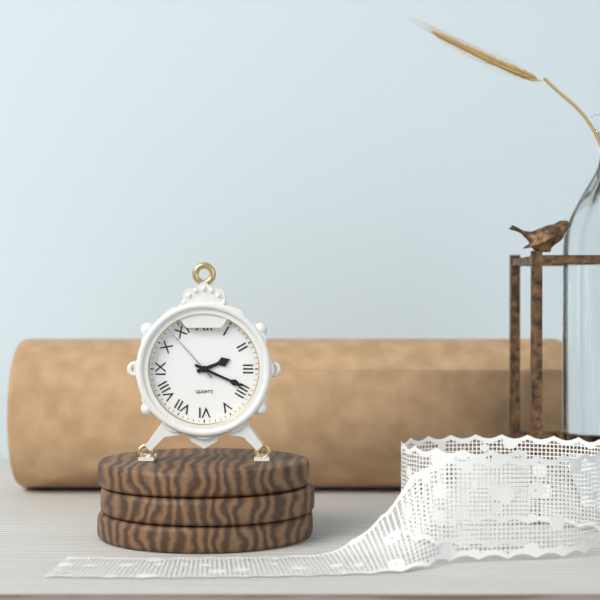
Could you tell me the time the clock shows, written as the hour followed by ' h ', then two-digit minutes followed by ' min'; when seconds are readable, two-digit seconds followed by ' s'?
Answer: 2 h 19 min 53 s
